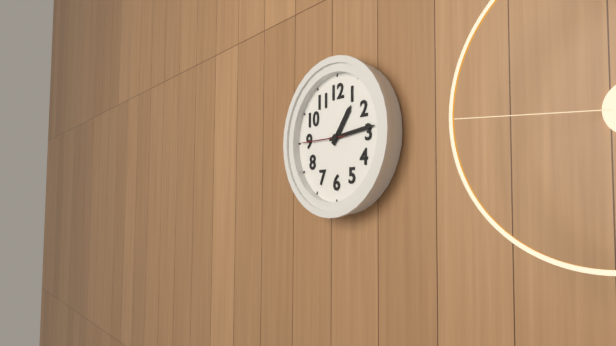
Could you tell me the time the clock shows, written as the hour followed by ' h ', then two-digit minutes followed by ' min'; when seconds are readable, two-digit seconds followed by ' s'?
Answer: 1 h 14 min
